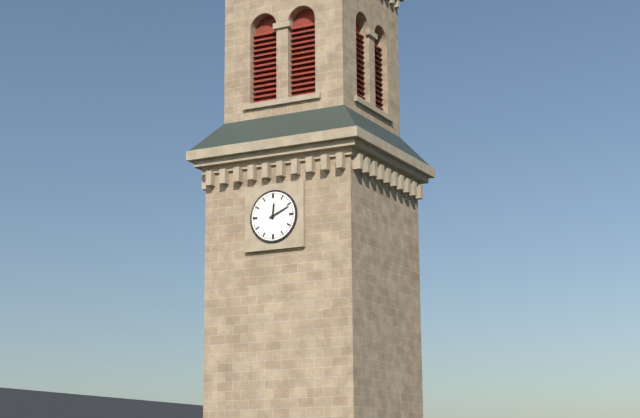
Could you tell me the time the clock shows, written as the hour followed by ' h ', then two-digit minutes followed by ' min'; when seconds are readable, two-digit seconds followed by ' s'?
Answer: 12 h 11 min
